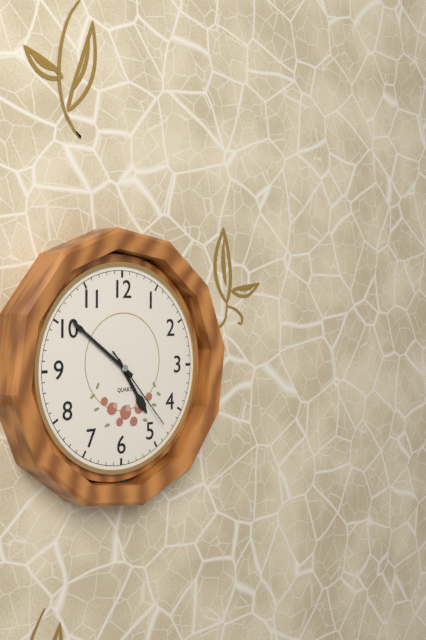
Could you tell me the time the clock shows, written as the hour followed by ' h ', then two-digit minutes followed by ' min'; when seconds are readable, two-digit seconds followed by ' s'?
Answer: 4 h 51 min 23 s
